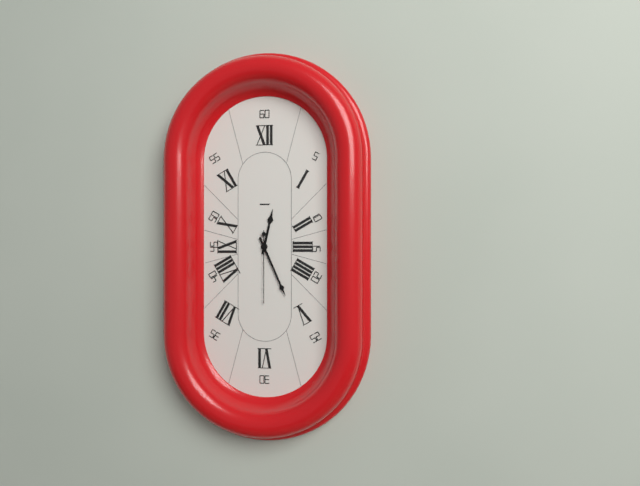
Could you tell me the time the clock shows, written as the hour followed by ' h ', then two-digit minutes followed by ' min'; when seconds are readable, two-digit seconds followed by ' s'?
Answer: 12 h 26 min 30 s
